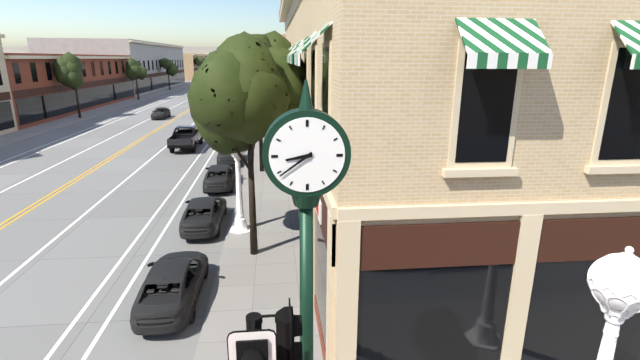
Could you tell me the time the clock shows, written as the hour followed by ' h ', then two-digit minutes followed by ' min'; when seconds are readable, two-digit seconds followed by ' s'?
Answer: 8 h 39 min
